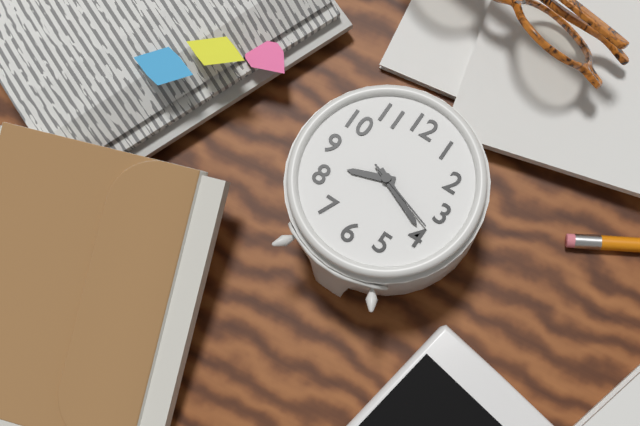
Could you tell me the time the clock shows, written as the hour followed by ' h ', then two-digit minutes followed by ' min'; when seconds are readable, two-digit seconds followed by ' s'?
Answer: 8 h 19 min 18 s
